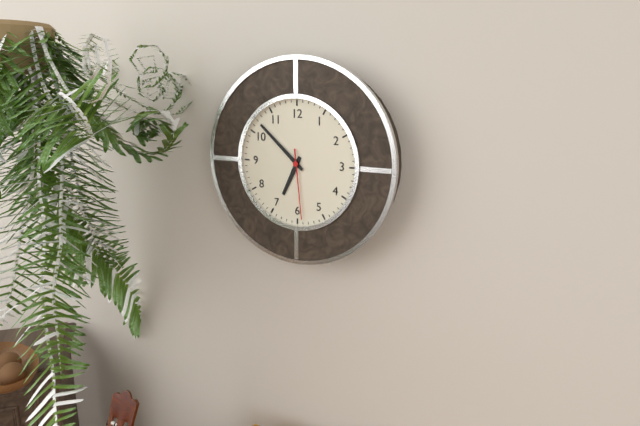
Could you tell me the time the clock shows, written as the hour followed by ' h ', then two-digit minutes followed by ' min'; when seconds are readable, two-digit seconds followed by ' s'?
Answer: 6 h 52 min 29 s
